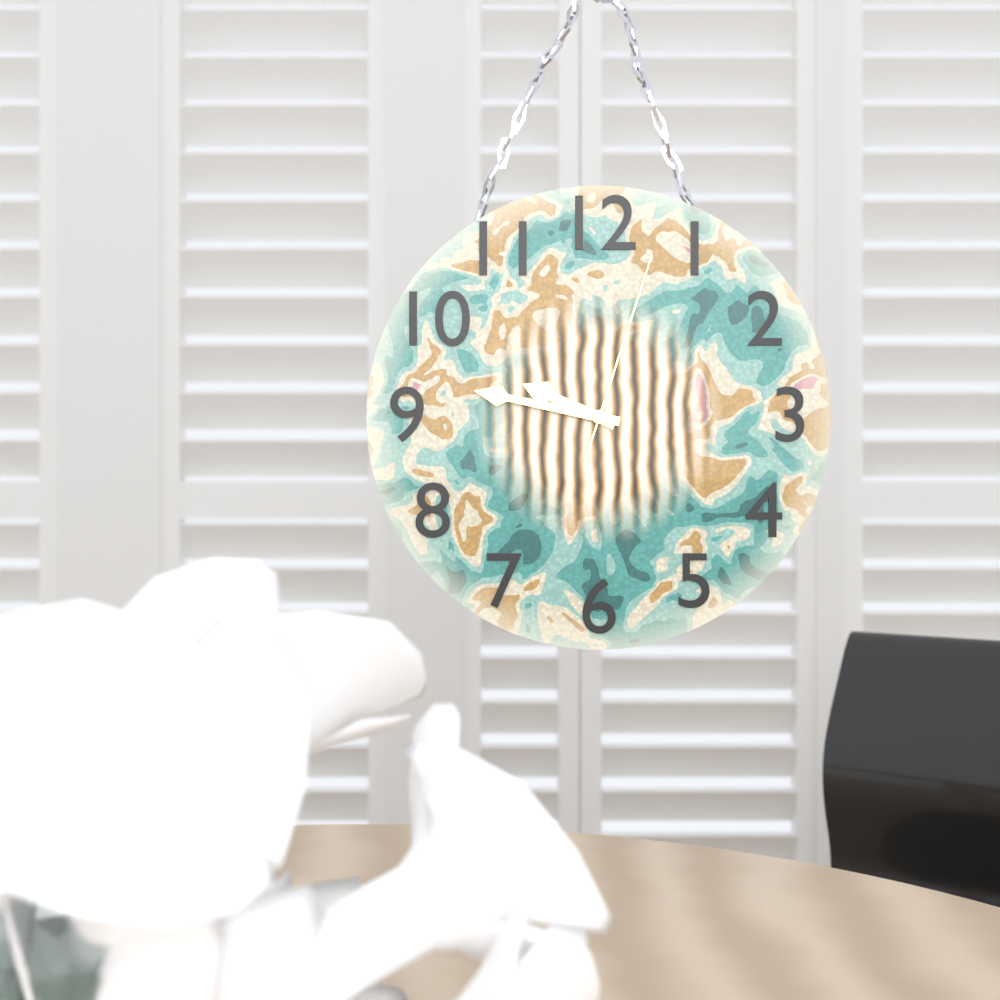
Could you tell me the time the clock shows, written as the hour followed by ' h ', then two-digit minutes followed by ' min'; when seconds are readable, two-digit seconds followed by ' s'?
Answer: 9 h 47 min 03 s
